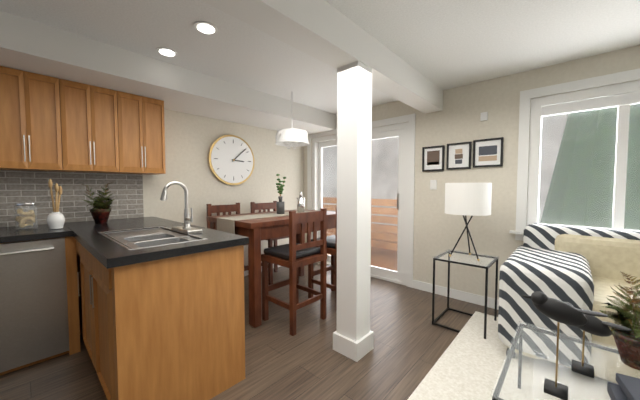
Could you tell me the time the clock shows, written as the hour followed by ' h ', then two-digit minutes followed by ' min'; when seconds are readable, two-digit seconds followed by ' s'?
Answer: 3 h 08 min
